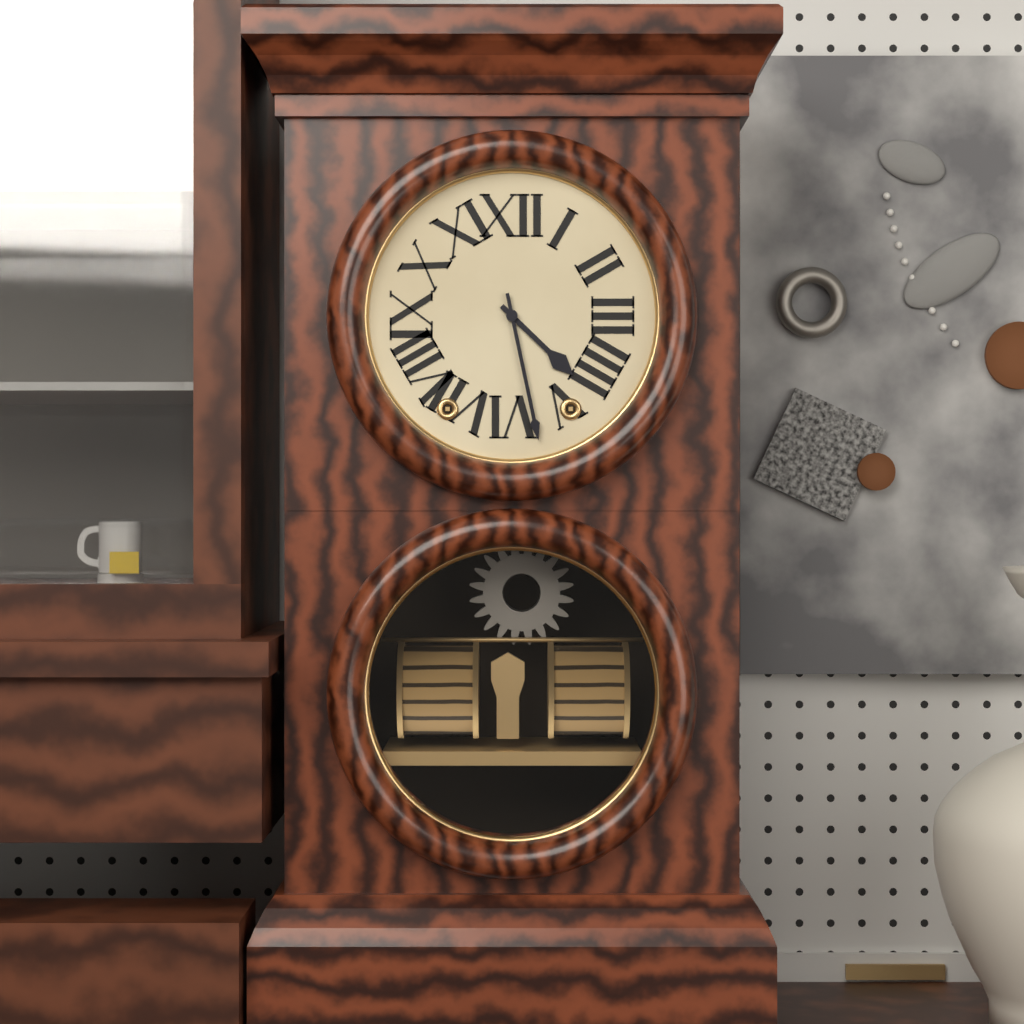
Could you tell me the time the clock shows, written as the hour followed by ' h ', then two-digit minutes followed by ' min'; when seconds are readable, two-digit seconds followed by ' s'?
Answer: 4 h 28 min
